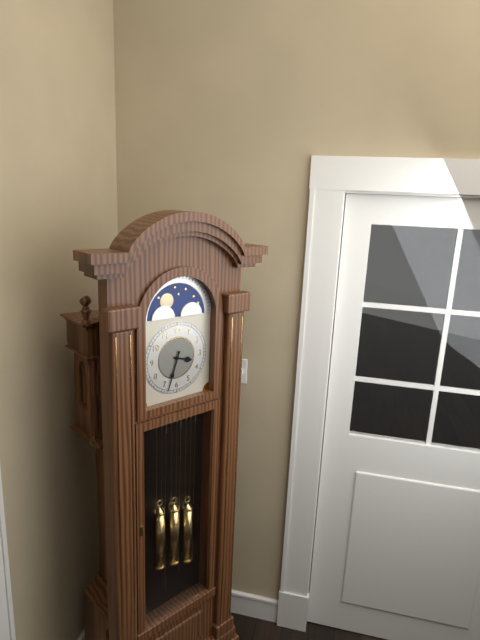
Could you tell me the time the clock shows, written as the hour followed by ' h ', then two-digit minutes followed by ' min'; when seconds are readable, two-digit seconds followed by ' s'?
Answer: 3 h 33 min
